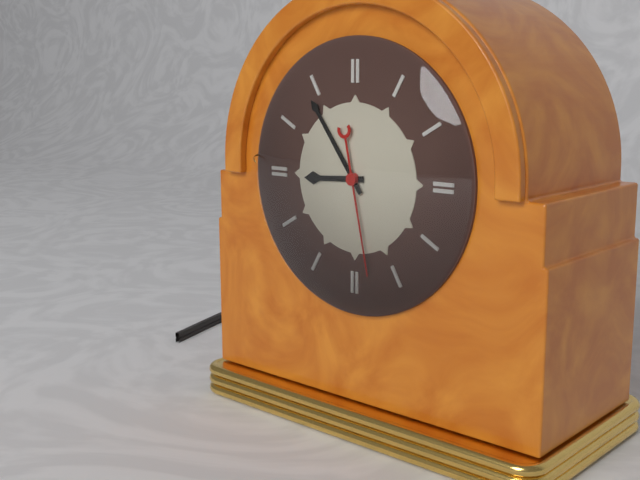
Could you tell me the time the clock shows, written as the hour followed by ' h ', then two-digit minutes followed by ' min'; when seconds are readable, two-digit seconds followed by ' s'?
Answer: 8 h 54 min 28 s
